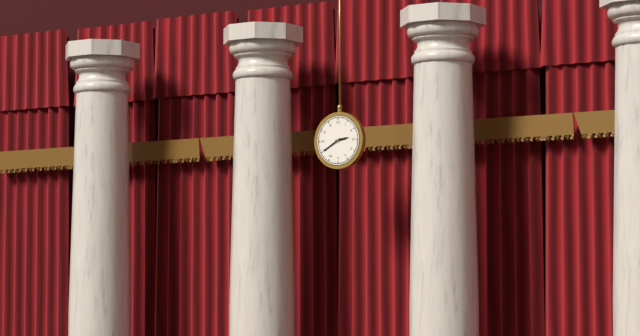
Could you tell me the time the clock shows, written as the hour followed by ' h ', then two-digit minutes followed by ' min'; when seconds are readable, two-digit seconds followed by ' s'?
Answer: 2 h 40 min
